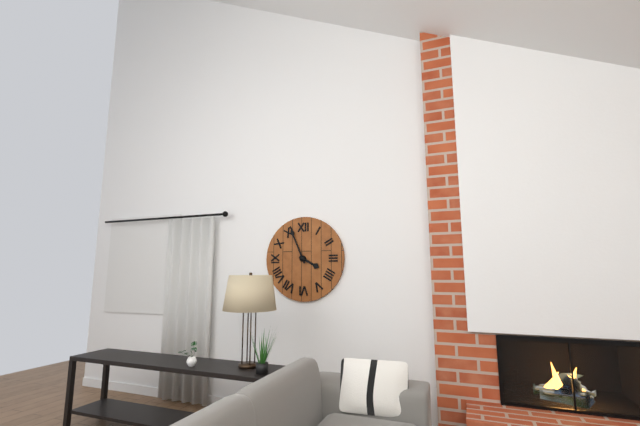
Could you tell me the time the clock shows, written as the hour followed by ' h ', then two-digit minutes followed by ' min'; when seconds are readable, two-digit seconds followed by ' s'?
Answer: 3 h 56 min
